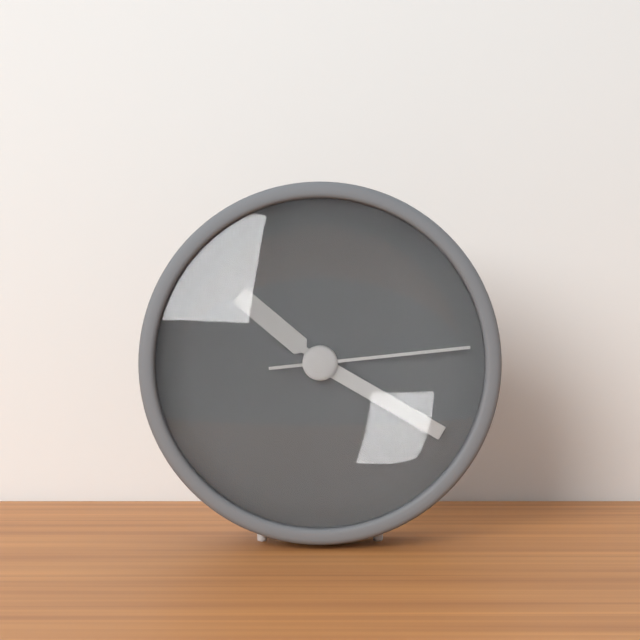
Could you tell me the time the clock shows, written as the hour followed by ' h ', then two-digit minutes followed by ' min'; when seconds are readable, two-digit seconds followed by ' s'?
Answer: 10 h 20 min 14 s
